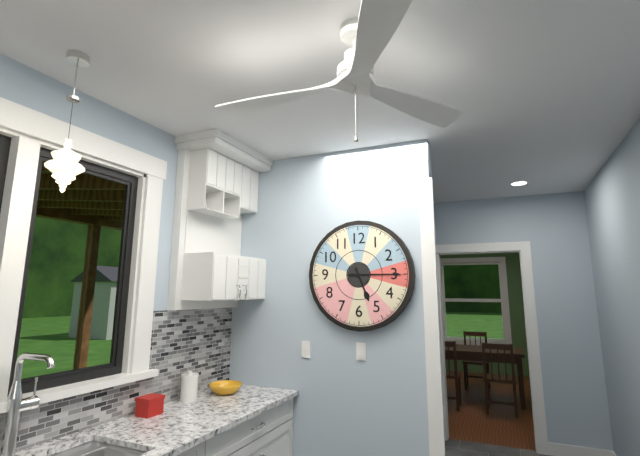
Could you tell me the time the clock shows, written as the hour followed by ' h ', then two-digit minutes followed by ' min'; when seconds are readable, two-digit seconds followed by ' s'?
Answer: 5 h 15 min
